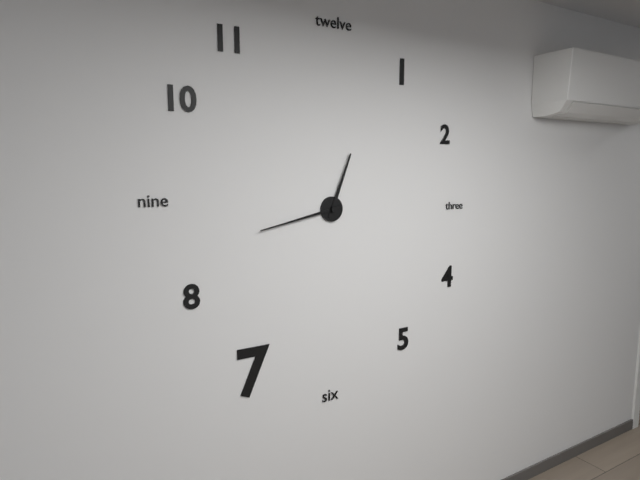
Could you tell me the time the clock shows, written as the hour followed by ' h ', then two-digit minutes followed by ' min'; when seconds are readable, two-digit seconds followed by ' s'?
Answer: 12 h 43 min
